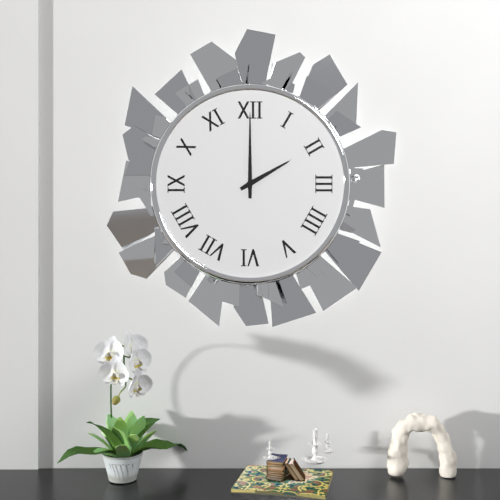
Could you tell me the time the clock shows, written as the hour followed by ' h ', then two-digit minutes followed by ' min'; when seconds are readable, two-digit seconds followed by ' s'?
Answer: 2 h 00 min
